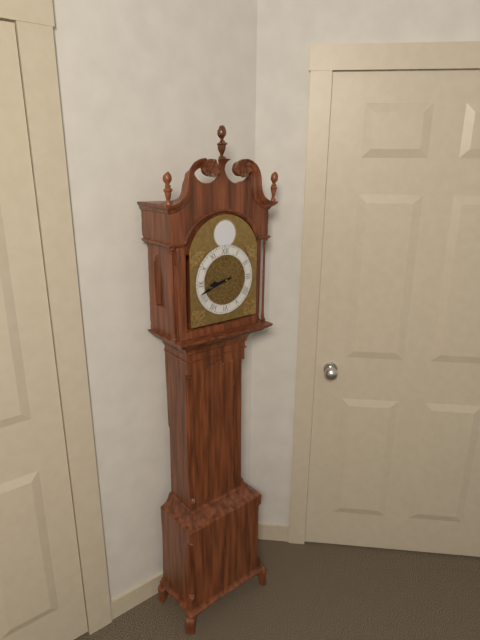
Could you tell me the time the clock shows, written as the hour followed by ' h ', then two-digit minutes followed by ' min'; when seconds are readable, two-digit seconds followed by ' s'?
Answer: 8 h 42 min
